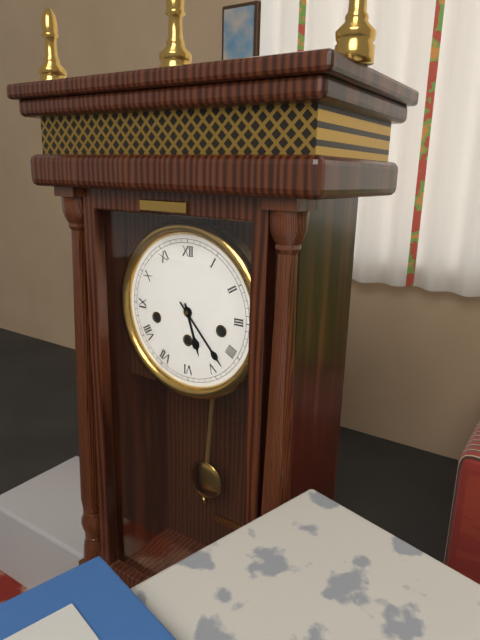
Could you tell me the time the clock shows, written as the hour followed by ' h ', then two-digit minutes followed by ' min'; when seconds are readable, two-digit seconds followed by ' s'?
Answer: 5 h 23 min
